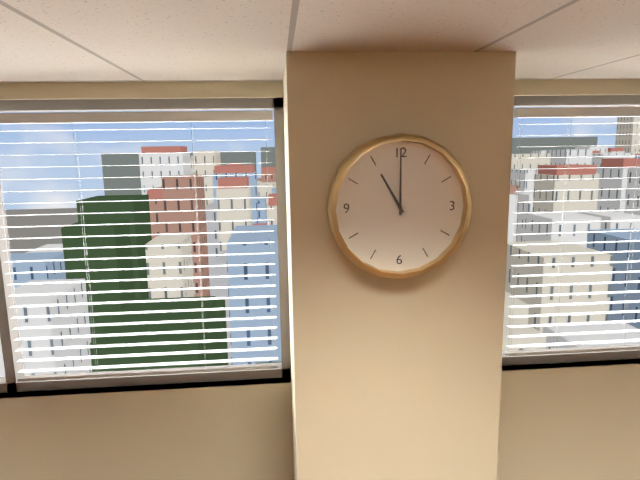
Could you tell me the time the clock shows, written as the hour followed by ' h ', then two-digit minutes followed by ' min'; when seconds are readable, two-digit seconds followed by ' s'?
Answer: 11 h 00 min
